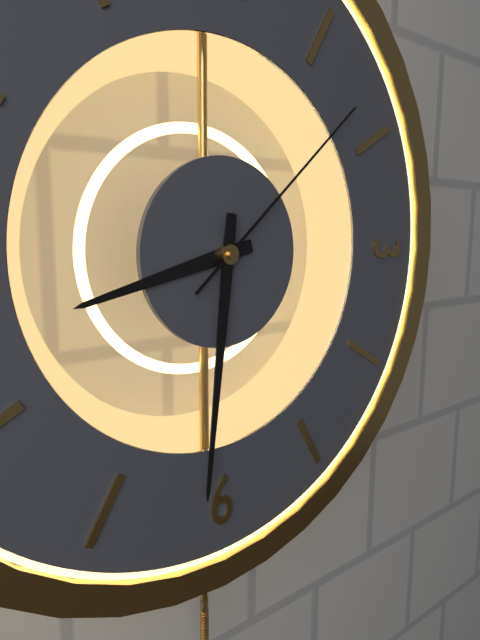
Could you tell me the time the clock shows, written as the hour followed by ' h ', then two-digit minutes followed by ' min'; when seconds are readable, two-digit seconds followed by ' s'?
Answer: 8 h 31 min 08 s
